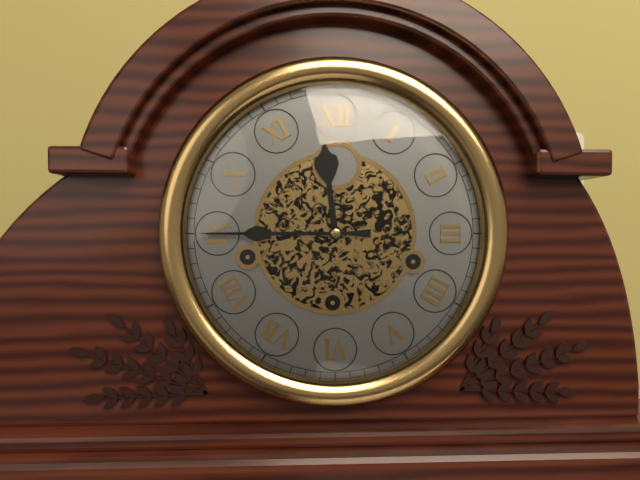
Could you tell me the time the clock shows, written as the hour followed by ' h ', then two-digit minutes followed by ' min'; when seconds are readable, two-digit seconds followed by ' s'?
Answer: 11 h 45 min
